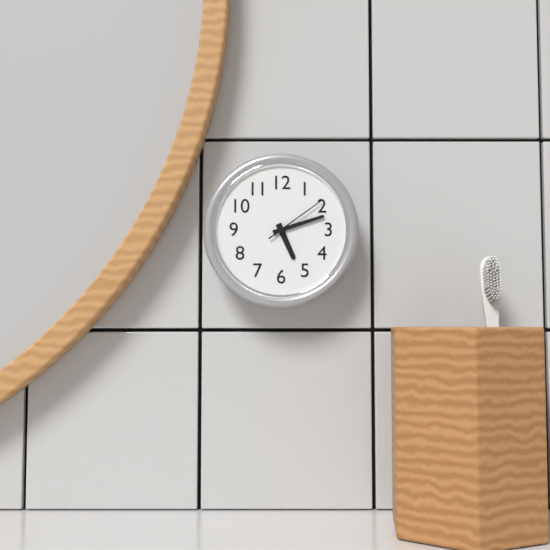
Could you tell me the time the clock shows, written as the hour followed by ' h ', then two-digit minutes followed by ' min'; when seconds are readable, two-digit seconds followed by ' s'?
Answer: 5 h 12 min 09 s
